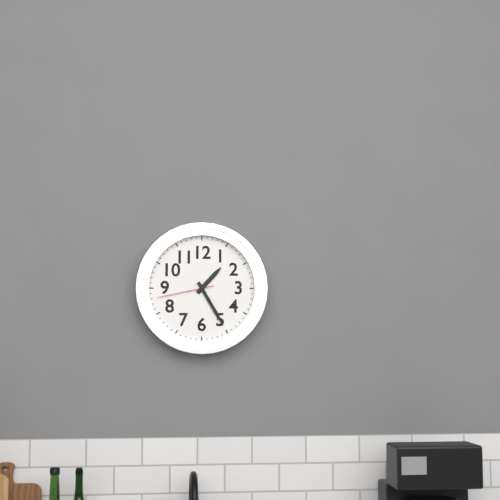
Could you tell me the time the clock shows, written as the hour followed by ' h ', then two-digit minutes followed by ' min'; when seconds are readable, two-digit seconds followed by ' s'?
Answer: 1 h 25 min 43 s
